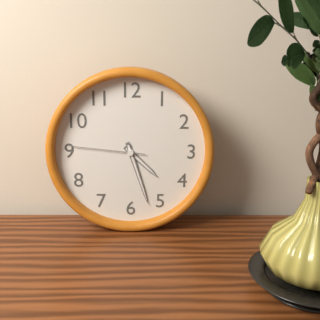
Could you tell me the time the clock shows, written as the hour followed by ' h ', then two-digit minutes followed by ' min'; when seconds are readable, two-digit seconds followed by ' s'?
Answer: 4 h 27 min 46 s
